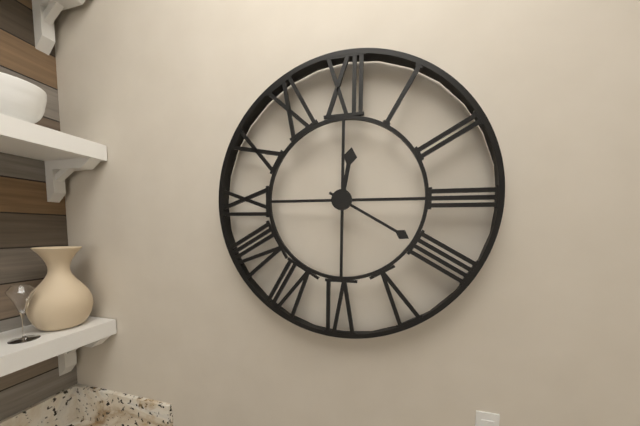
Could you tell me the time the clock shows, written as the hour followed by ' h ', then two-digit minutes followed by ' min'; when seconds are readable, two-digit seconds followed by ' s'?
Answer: 12 h 20 min
